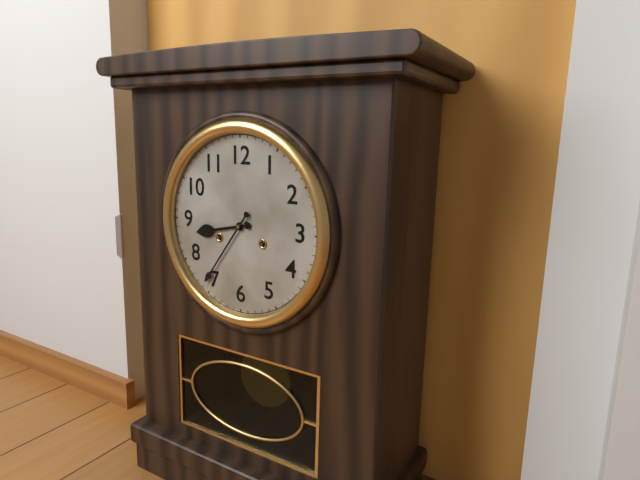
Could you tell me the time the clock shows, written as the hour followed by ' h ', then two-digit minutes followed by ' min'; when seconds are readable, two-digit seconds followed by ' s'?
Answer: 8 h 36 min
